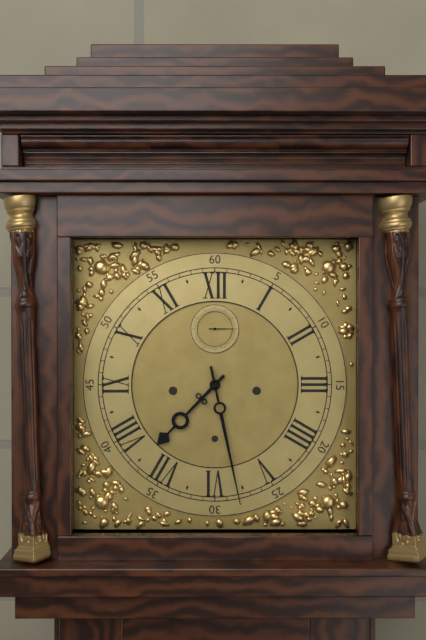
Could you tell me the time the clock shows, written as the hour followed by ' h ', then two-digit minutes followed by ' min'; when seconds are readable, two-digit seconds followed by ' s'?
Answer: 7 h 28 min
